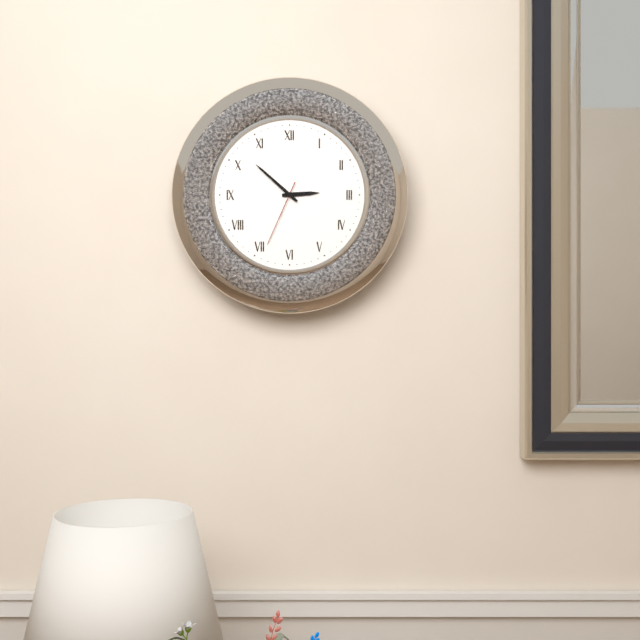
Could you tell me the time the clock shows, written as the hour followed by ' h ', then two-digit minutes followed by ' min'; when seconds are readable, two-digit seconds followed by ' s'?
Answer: 2 h 52 min 34 s
